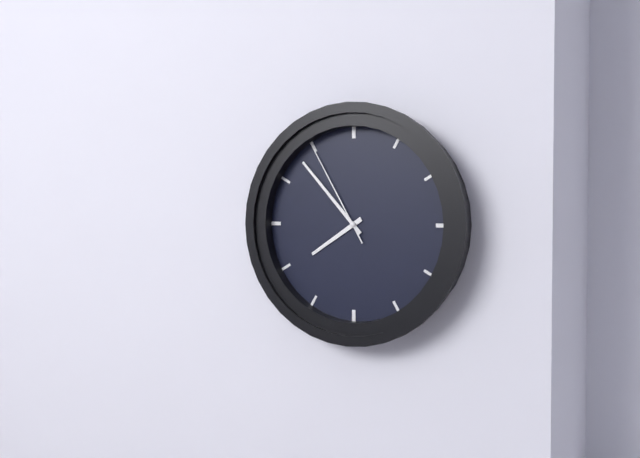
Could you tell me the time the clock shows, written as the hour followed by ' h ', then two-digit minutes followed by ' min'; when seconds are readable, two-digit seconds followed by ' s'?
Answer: 7 h 53 min 55 s
